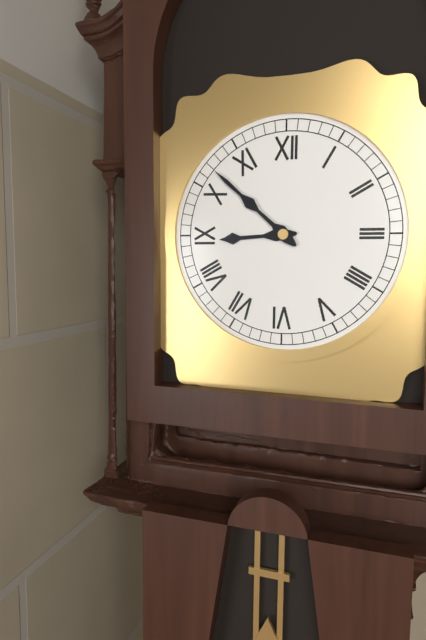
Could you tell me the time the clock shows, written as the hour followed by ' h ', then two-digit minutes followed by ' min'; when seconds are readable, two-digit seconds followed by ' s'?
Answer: 8 h 52 min
